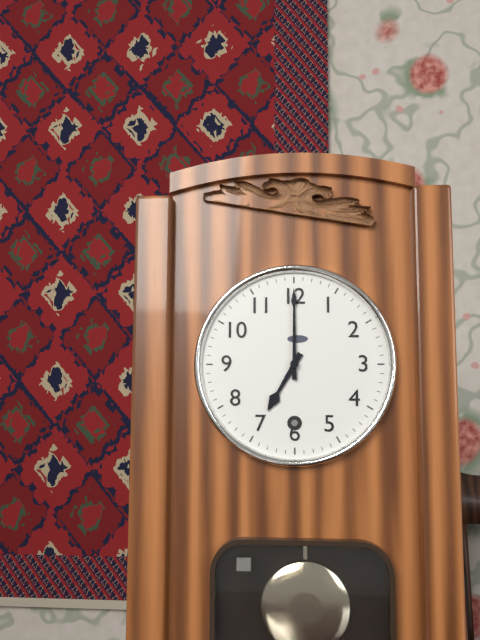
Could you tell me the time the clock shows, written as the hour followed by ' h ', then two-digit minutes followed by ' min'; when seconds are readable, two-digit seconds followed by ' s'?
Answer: 7 h 00 min
